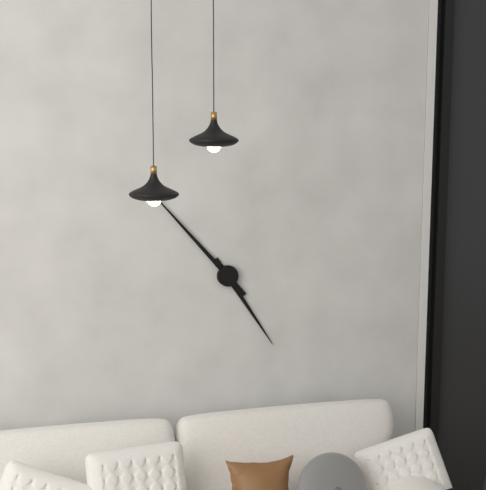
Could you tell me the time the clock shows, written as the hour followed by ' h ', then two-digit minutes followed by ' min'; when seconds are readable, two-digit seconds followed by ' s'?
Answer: 4 h 53 min
